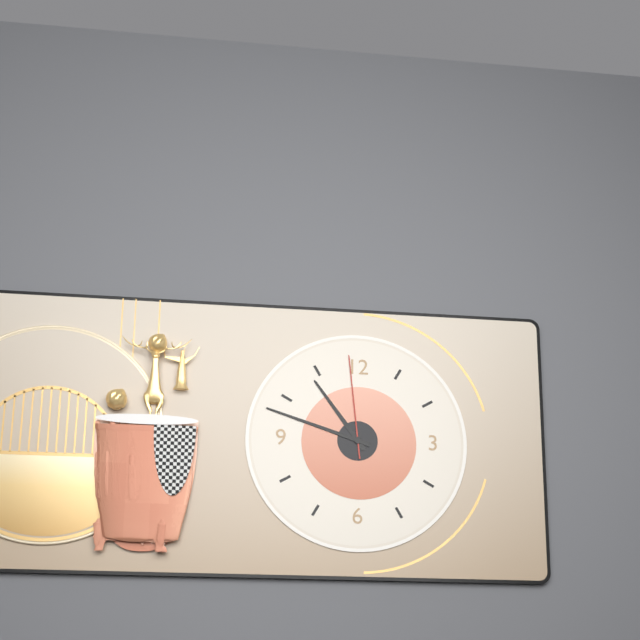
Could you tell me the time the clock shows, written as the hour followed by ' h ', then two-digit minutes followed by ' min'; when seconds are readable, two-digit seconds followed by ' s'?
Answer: 10 h 48 min 59 s
